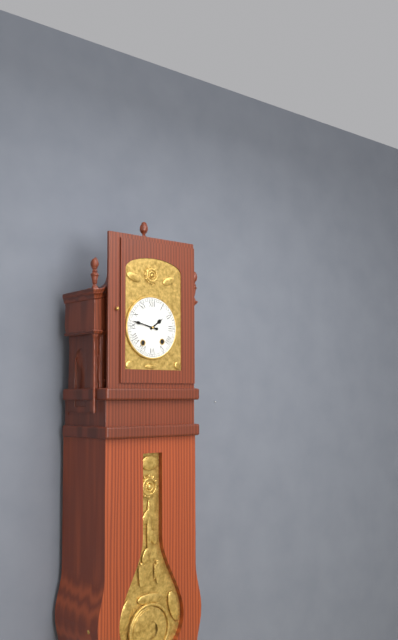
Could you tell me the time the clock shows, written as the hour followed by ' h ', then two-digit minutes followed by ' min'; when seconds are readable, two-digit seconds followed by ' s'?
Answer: 1 h 47 min
